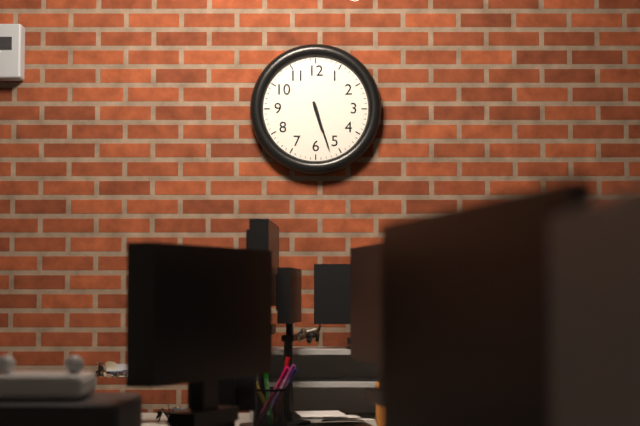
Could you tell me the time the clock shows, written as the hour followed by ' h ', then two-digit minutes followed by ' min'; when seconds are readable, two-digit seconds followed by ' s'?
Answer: 5 h 27 min
